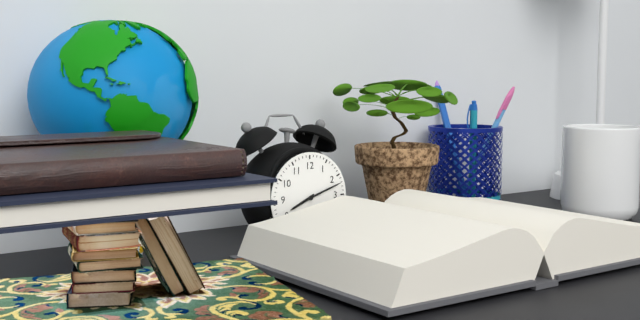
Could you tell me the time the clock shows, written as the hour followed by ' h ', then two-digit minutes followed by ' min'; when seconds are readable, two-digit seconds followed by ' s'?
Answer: 8 h 12 min
